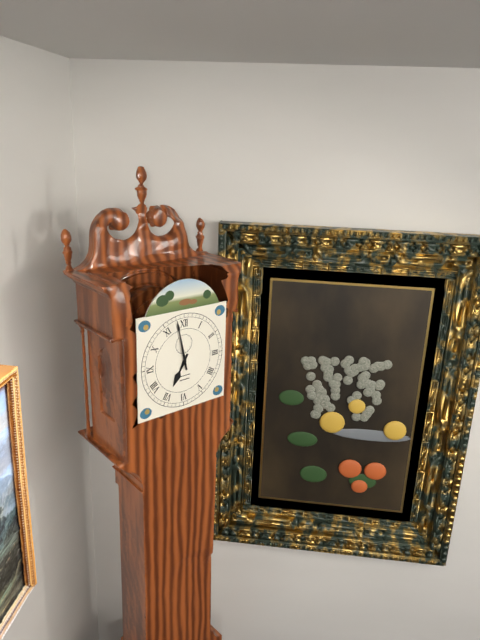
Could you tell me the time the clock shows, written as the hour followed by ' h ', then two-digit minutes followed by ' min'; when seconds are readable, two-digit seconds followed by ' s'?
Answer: 6 h 58 min
